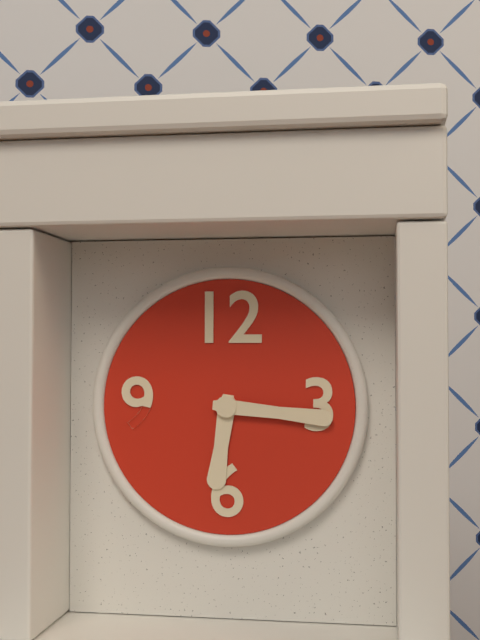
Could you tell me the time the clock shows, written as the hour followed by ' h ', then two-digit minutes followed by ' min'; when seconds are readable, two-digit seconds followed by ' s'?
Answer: 6 h 16 min
